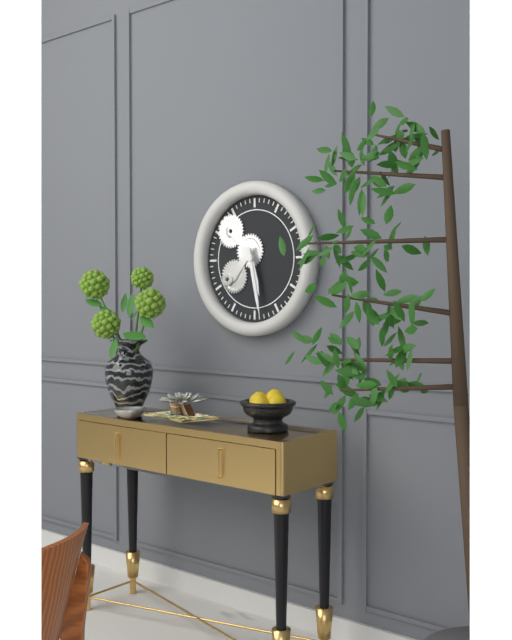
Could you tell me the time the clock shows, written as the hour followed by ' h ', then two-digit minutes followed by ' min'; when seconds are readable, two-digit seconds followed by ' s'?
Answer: 5 h 28 min
